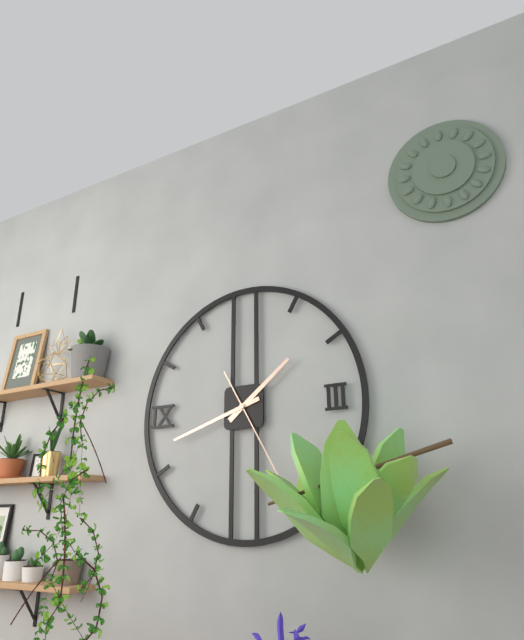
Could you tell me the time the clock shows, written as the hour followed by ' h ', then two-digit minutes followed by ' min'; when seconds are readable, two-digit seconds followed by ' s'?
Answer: 1 h 42 min 25 s
